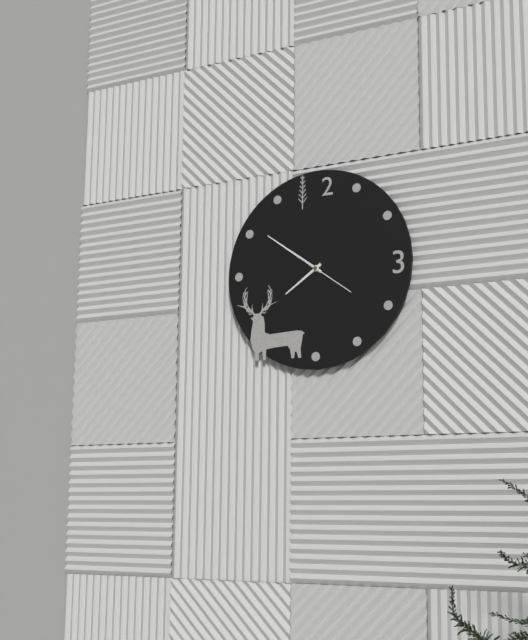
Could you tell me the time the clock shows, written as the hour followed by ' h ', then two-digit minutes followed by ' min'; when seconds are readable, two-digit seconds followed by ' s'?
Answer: 7 h 51 min
